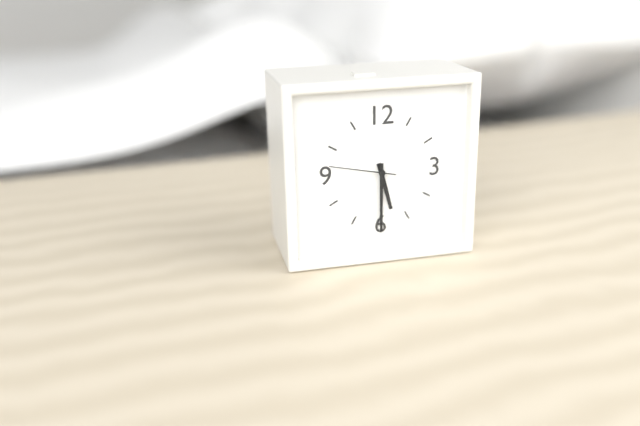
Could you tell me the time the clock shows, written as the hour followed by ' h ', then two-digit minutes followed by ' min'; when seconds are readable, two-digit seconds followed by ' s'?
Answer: 5 h 30 min 47 s
